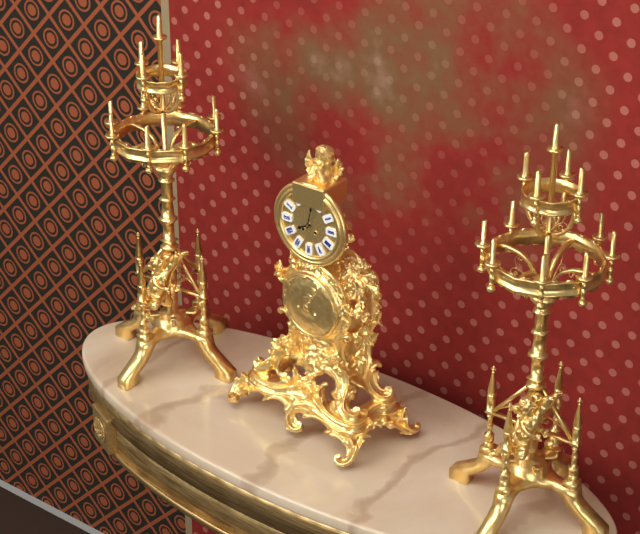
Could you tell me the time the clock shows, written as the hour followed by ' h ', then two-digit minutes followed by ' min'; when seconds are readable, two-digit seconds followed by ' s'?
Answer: 8 h 02 min
